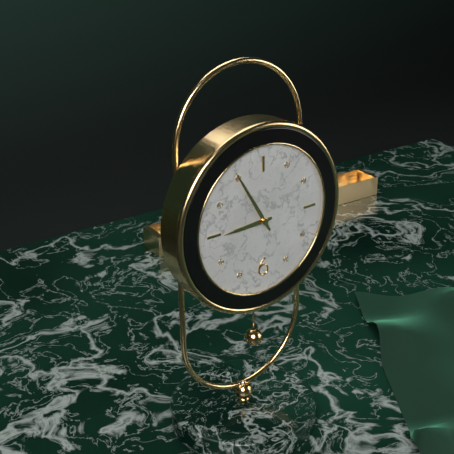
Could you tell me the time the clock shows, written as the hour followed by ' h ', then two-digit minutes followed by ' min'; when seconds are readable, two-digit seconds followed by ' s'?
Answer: 8 h 55 min
